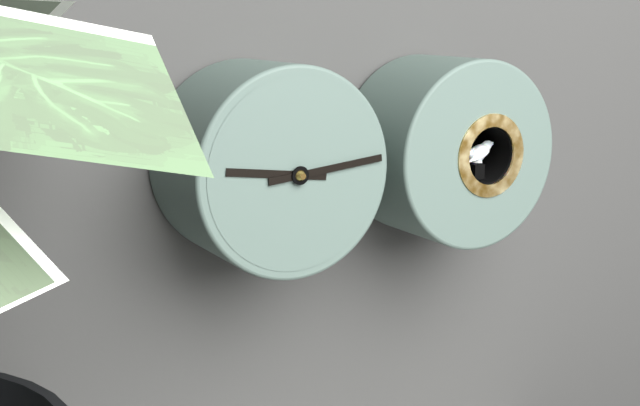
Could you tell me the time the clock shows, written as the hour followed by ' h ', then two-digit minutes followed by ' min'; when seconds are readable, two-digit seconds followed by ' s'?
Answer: 9 h 14 min
